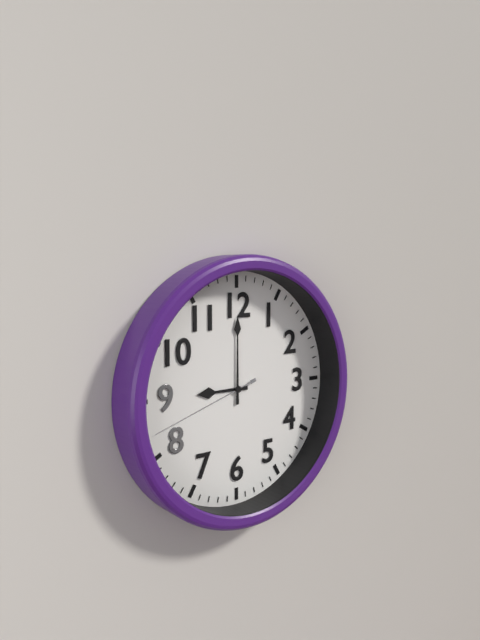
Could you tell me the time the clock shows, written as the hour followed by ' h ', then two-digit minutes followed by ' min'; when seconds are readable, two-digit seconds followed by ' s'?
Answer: 9 h 00 min 42 s
